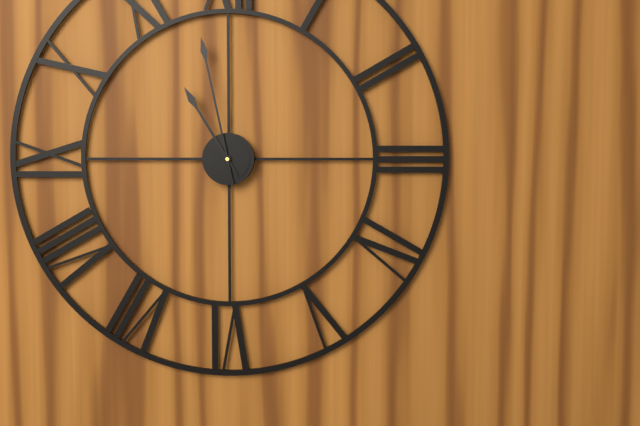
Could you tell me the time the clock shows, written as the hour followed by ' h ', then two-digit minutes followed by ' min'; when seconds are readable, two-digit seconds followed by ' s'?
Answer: 10 h 58 min
